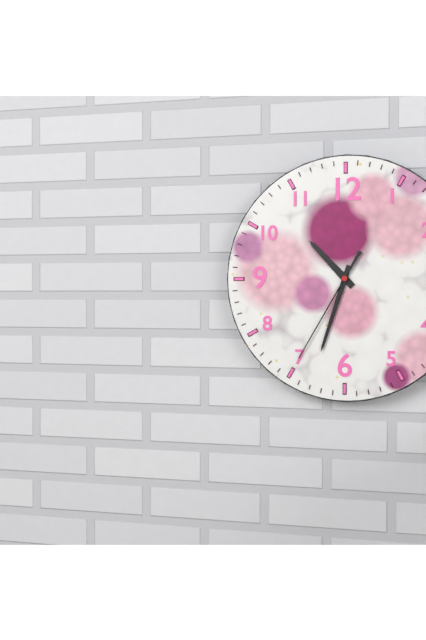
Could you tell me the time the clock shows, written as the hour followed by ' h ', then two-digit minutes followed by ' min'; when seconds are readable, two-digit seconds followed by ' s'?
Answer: 10 h 33 min 35 s
